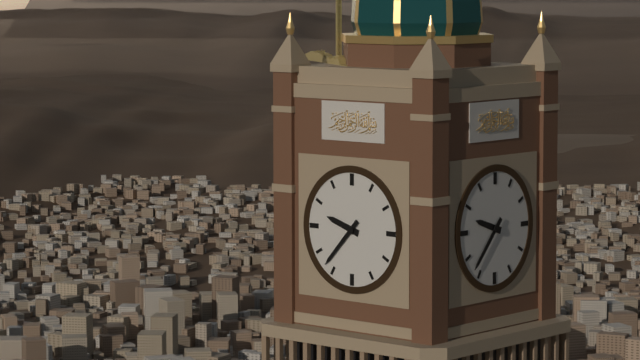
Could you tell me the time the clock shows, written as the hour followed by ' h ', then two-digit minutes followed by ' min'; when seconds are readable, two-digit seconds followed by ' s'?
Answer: 9 h 37 min
